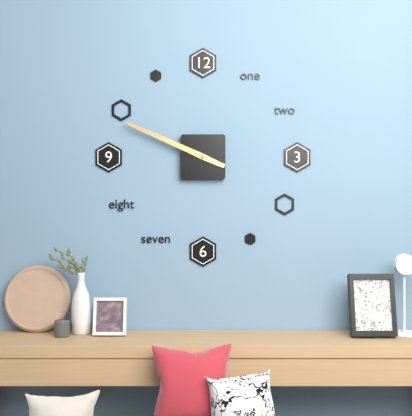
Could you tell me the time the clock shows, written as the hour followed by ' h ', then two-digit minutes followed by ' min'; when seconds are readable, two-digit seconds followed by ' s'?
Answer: 9 h 49 min
